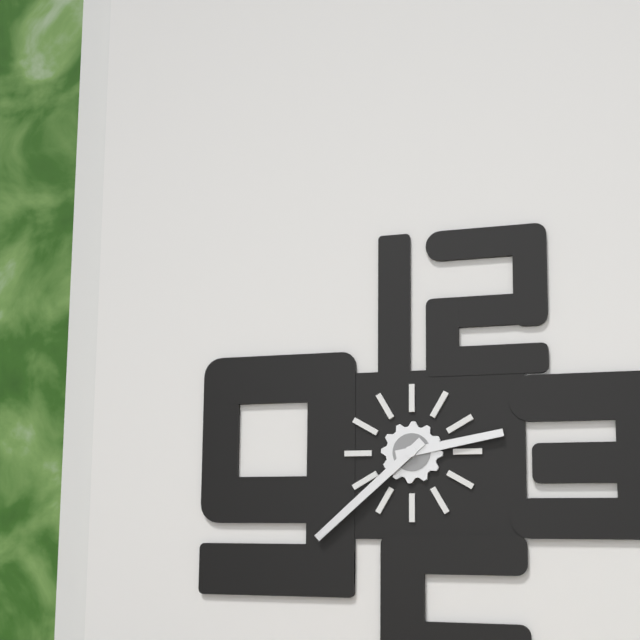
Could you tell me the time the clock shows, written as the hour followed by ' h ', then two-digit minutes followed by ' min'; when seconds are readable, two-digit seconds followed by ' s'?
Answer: 2 h 38 min
